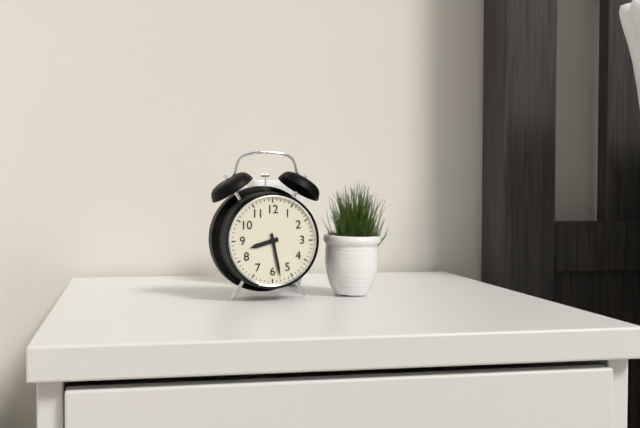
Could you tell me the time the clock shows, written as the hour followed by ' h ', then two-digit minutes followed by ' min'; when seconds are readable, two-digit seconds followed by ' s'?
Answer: 8 h 28 min
